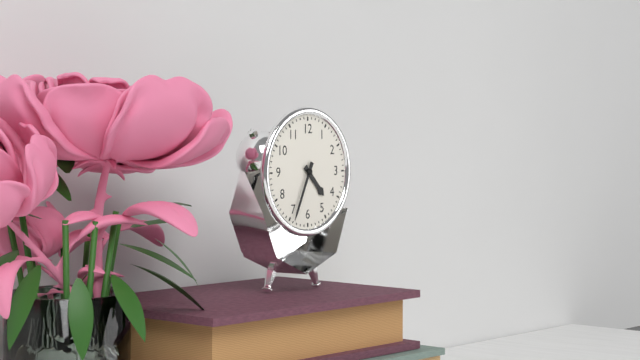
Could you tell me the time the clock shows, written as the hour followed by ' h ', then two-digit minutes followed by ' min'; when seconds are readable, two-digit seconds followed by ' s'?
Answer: 4 h 34 min
